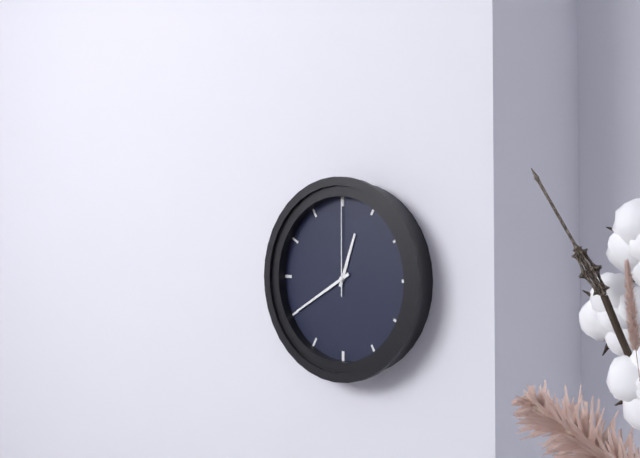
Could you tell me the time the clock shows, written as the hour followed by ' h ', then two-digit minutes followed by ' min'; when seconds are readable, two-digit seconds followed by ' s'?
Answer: 12 h 40 min 00 s
